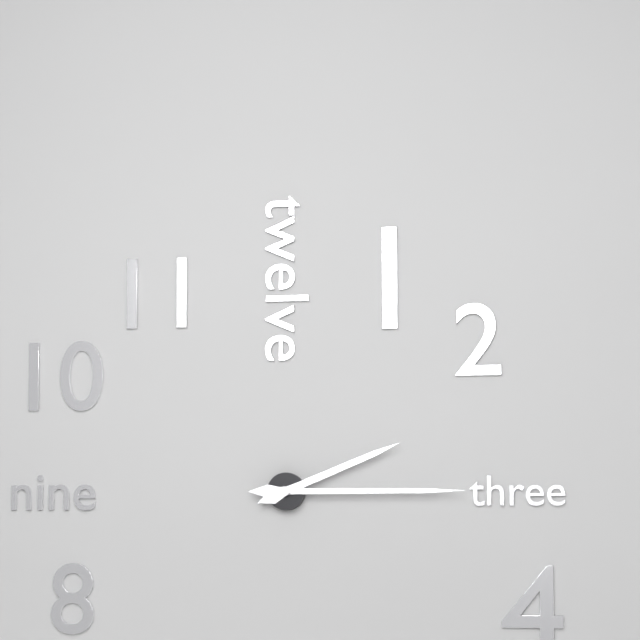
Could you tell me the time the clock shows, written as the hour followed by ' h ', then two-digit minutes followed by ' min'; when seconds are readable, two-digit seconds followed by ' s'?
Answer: 2 h 15 min
